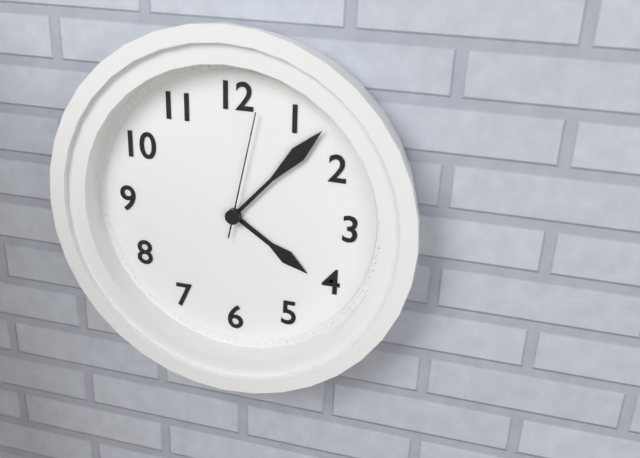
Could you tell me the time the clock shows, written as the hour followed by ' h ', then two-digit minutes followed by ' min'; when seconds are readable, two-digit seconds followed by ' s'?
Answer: 4 h 07 min 02 s
